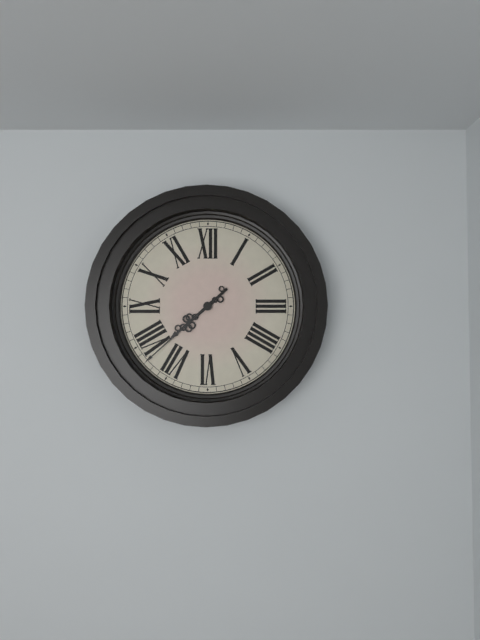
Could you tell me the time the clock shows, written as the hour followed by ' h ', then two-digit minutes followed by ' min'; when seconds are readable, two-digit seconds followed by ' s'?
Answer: 7 h 38 min
